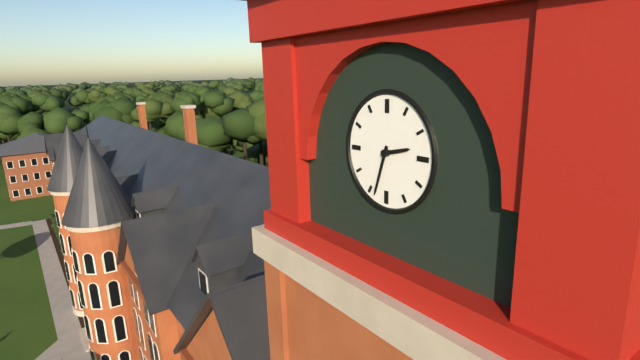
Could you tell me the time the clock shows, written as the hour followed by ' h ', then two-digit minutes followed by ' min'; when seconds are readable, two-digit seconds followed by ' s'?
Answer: 2 h 33 min
